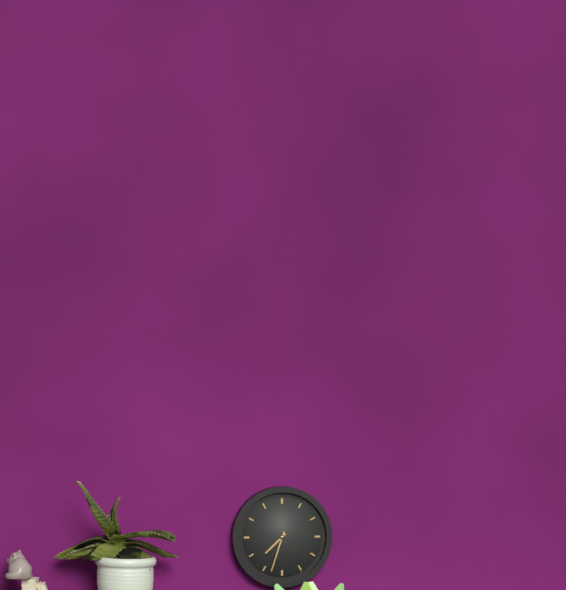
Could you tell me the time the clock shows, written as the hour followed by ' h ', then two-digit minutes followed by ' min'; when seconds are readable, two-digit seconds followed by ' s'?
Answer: 7 h 33 min
